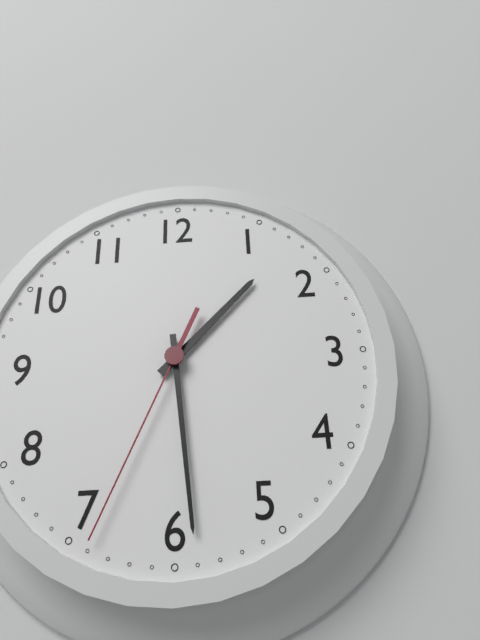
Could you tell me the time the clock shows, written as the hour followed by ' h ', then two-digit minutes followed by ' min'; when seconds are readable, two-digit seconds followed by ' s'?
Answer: 1 h 29 min 34 s
